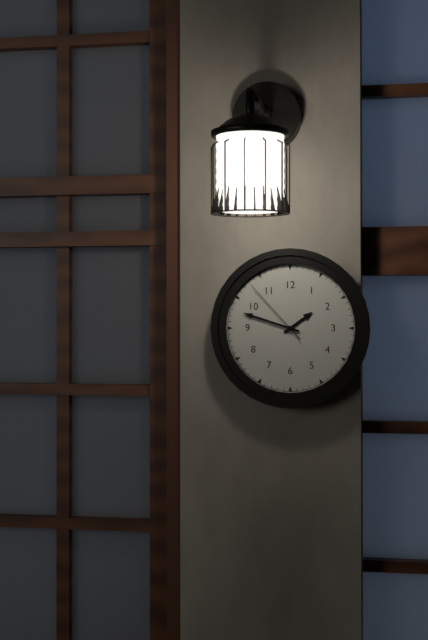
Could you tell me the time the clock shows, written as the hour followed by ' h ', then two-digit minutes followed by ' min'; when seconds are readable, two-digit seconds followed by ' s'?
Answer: 1 h 48 min 53 s
